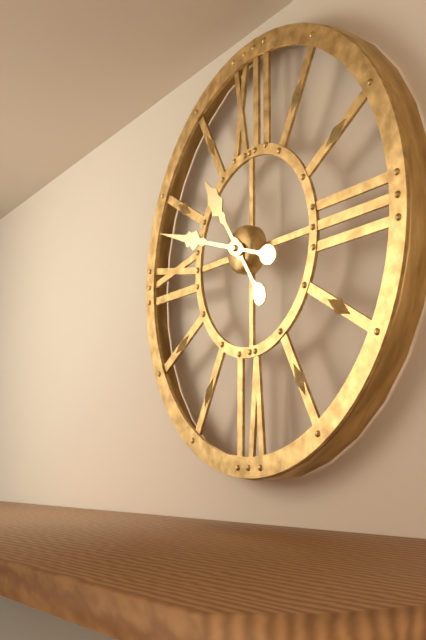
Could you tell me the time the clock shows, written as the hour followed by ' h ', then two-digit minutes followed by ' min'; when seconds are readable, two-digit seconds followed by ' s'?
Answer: 10 h 48 min
